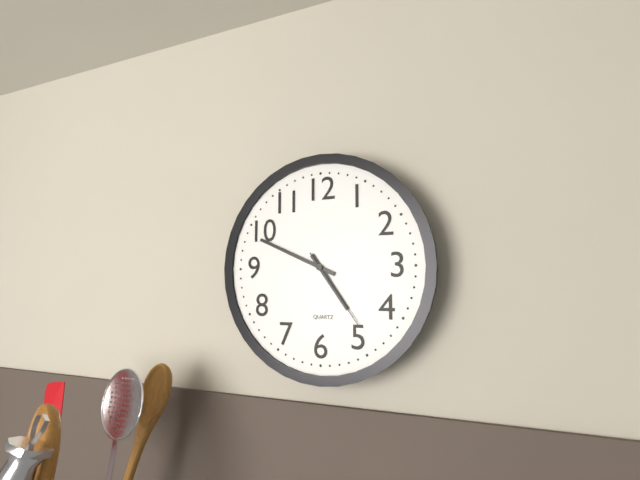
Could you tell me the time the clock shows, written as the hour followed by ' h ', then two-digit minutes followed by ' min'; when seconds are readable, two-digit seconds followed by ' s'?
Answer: 4 h 49 min 24 s
